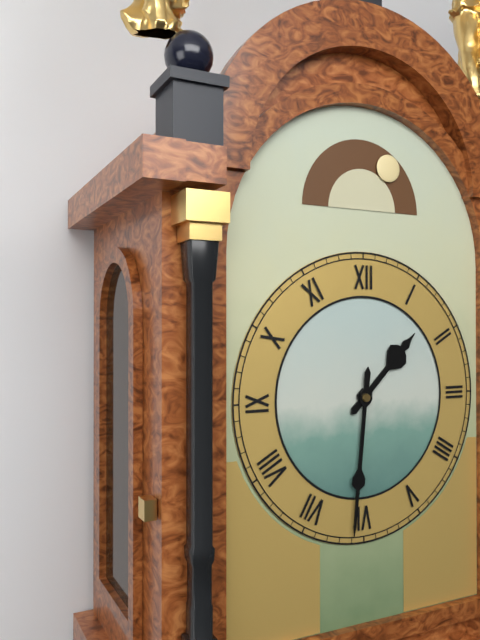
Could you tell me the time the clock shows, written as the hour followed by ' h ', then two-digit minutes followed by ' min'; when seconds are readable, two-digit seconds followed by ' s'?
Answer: 1 h 31 min
